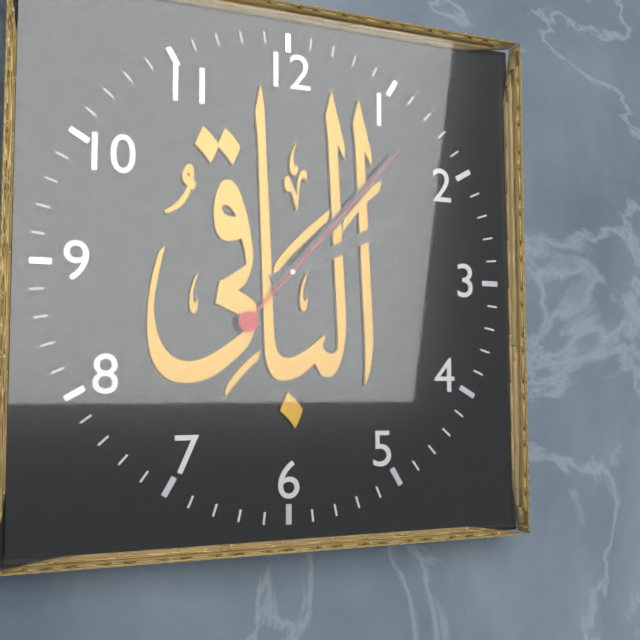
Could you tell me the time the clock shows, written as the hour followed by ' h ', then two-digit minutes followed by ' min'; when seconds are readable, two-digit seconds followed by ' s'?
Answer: 2 h 07 min 07 s
